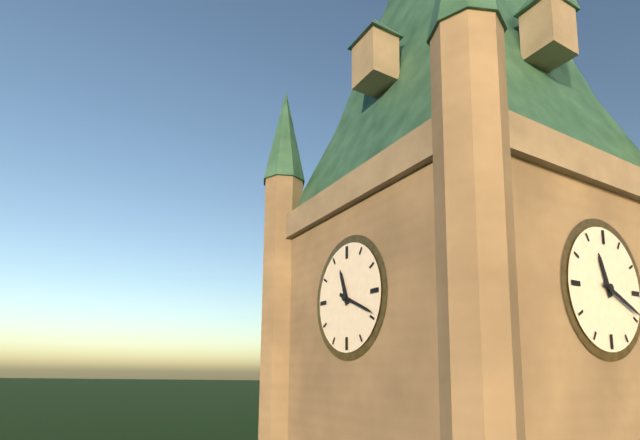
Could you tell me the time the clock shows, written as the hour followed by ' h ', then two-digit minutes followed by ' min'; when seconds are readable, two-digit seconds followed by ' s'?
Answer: 11 h 19 min
